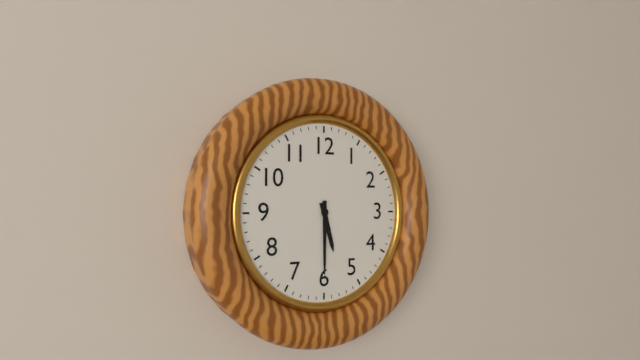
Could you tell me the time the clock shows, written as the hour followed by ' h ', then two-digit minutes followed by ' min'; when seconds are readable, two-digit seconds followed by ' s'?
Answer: 5 h 30 min
